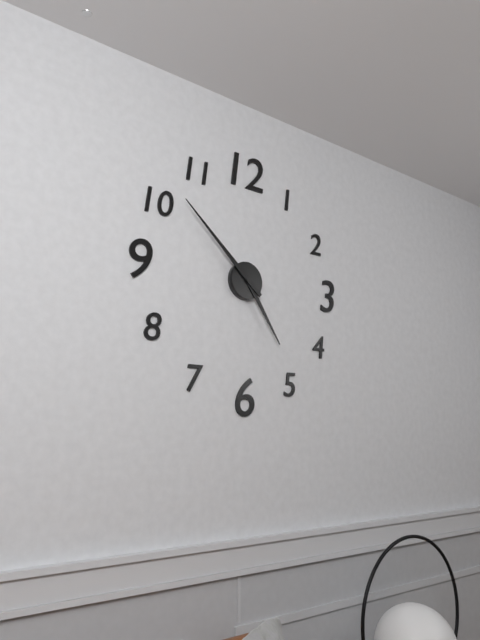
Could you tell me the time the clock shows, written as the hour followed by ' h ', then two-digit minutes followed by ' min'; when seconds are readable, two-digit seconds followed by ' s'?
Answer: 4 h 52 min
